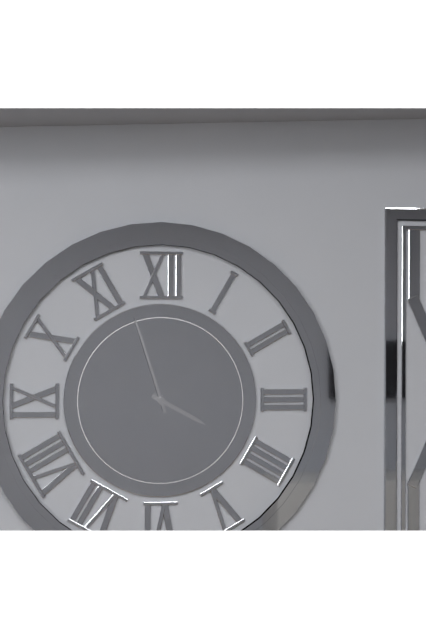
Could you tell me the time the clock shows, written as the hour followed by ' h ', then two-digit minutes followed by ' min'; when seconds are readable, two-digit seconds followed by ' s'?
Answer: 3 h 57 min
